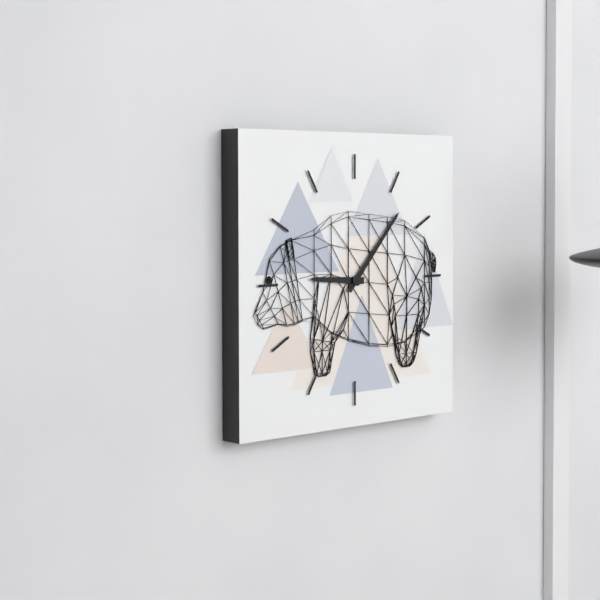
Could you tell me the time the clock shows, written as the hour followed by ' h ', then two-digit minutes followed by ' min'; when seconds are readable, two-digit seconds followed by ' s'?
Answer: 9 h 07 min
